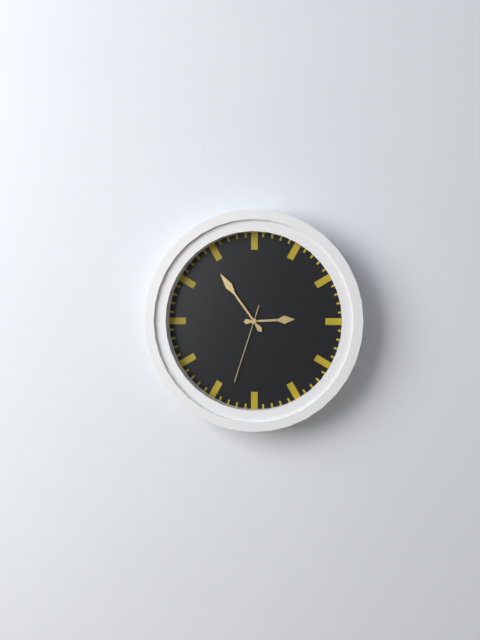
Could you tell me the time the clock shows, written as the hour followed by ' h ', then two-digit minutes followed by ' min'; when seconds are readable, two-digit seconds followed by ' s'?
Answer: 2 h 54 min 33 s
